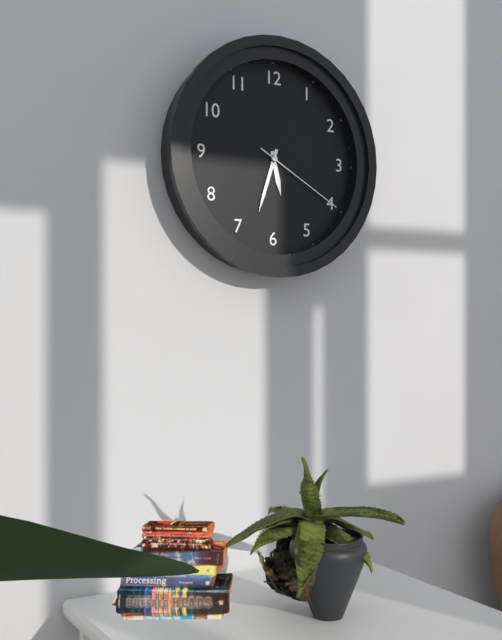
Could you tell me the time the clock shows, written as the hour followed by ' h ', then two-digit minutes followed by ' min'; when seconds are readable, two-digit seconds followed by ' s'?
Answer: 5 h 33 min 20 s
